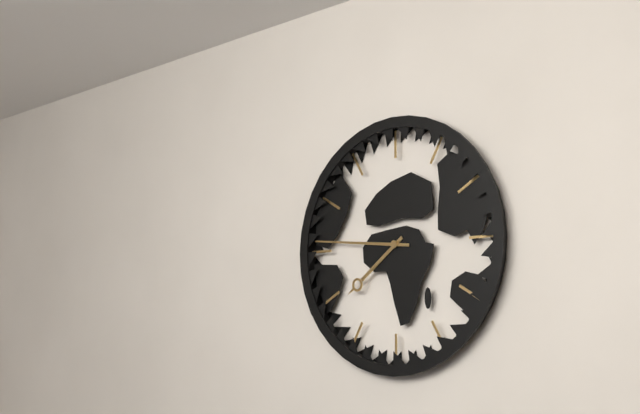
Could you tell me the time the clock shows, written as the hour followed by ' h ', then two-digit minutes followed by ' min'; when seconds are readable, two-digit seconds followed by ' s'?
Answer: 7 h 46 min
